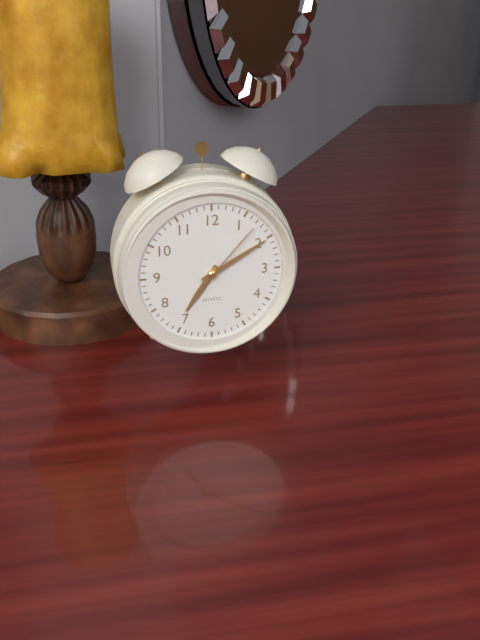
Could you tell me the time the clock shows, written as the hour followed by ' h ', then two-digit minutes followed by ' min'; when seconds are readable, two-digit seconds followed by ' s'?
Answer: 7 h 10 min 07 s
